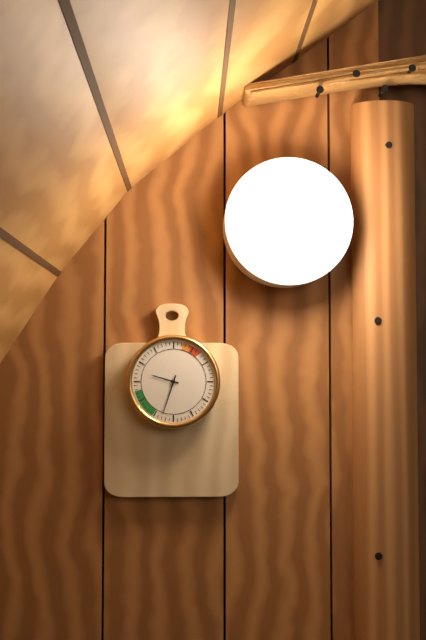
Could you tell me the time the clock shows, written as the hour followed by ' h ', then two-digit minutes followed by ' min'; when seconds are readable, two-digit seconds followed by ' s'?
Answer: 9 h 33 min
